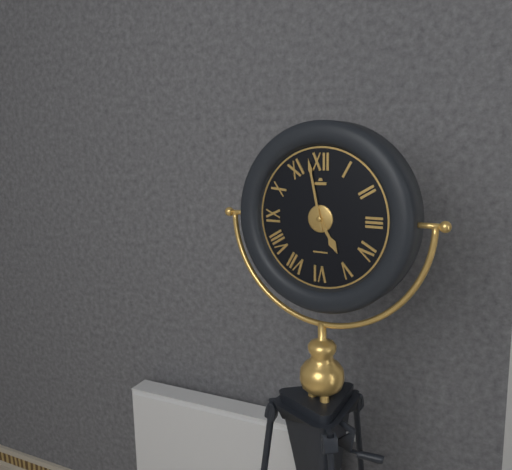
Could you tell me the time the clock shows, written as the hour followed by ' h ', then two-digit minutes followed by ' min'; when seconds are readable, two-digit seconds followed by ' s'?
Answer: 4 h 58 min
